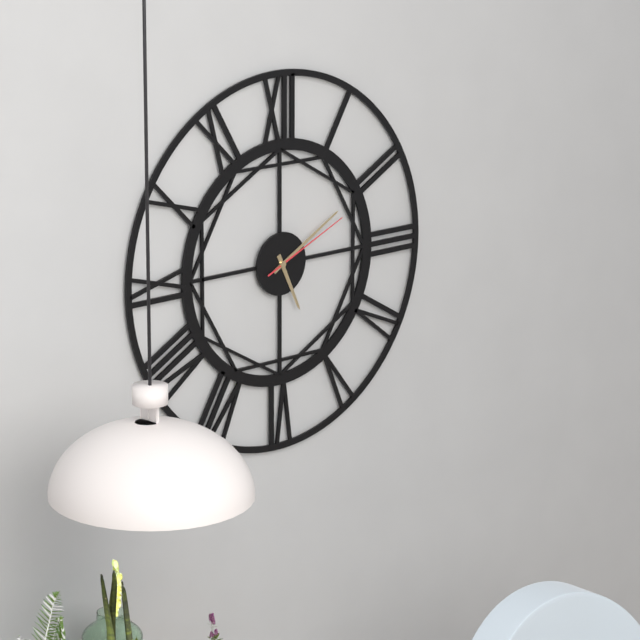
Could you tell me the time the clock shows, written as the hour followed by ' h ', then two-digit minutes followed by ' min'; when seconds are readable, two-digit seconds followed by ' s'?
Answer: 5 h 10 min 11 s
